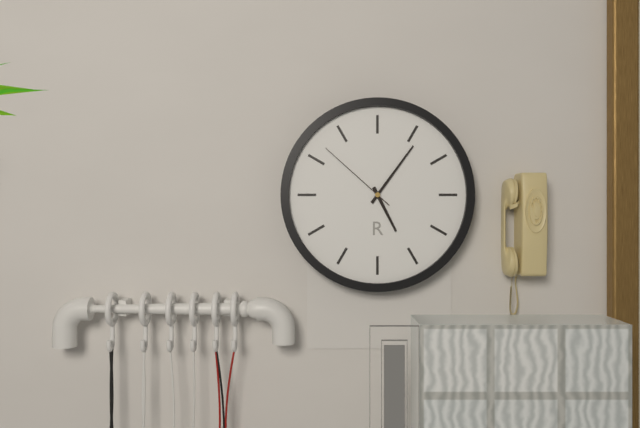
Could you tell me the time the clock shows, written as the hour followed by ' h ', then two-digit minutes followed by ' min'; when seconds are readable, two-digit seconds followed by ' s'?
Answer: 5 h 06 min 52 s
